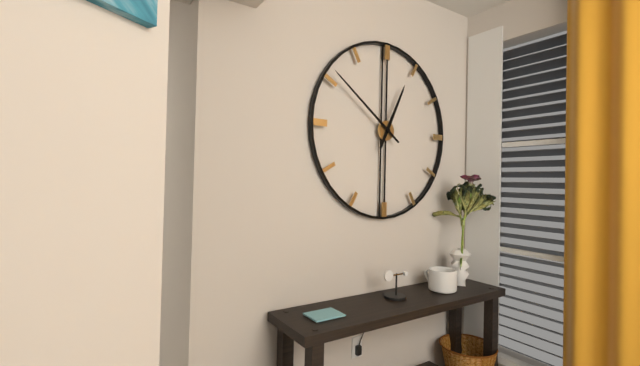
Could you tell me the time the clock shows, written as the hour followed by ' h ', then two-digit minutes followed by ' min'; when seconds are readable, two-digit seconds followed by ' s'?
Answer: 12 h 51 min
